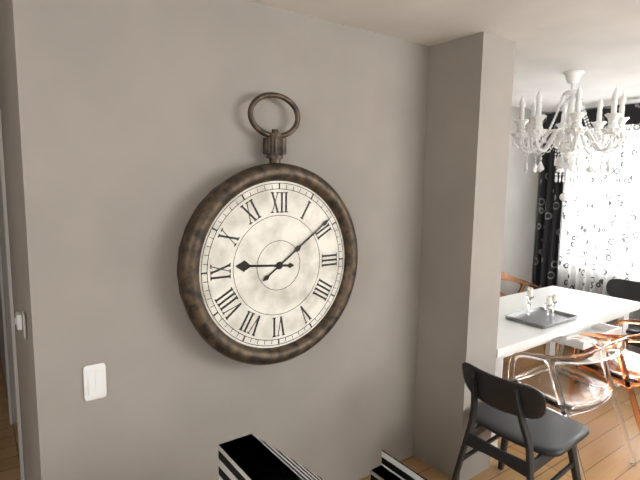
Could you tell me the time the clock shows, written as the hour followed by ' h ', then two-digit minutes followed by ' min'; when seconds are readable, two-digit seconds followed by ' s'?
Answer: 9 h 09 min
